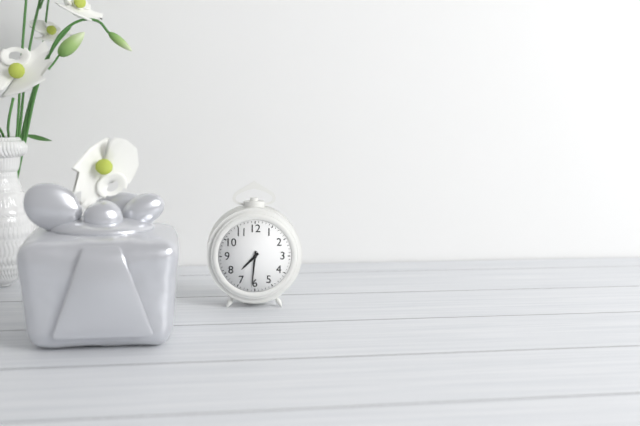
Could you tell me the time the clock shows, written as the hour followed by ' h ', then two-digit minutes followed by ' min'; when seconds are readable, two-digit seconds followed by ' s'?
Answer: 7 h 31 min
